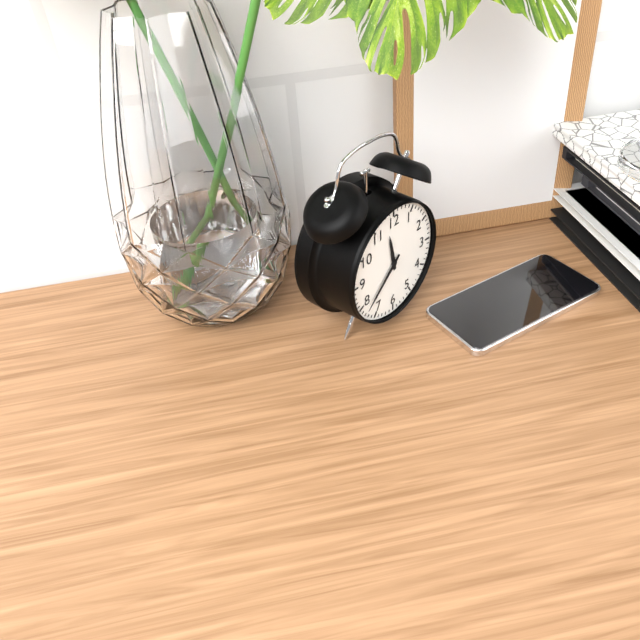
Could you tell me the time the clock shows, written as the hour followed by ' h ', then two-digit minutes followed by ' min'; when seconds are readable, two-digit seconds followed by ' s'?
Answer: 11 h 38 min
